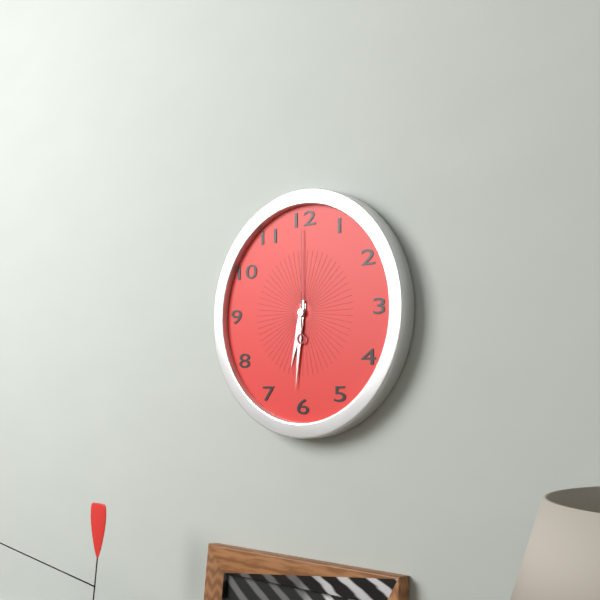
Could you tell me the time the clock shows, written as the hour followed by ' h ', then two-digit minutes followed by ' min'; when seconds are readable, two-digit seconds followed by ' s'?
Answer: 6 h 31 min 00 s
